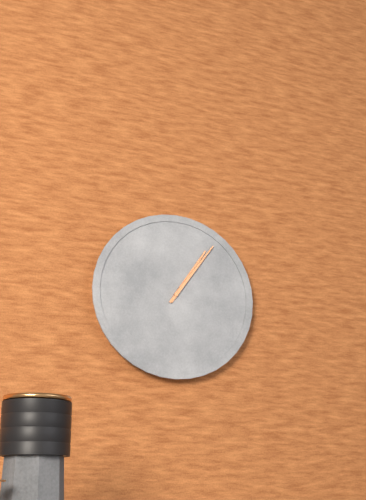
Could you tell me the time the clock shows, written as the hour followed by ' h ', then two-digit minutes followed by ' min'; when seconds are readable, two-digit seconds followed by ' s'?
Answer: 1 h 06 min
